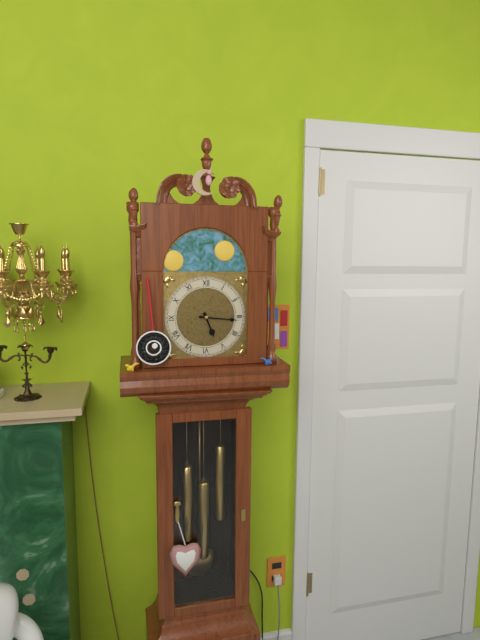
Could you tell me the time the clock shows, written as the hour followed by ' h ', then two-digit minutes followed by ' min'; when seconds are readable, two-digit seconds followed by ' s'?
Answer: 5 h 16 min
